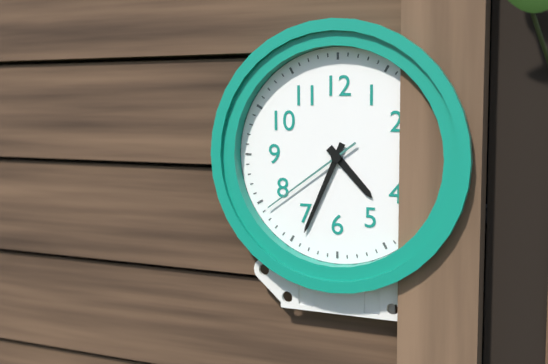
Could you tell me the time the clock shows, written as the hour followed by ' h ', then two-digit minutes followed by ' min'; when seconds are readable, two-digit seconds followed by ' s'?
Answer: 4 h 34 min 39 s
